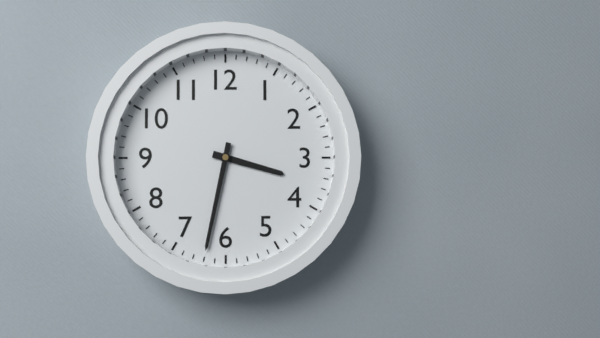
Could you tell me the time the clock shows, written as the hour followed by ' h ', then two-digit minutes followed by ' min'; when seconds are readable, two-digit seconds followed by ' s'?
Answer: 3 h 32 min
